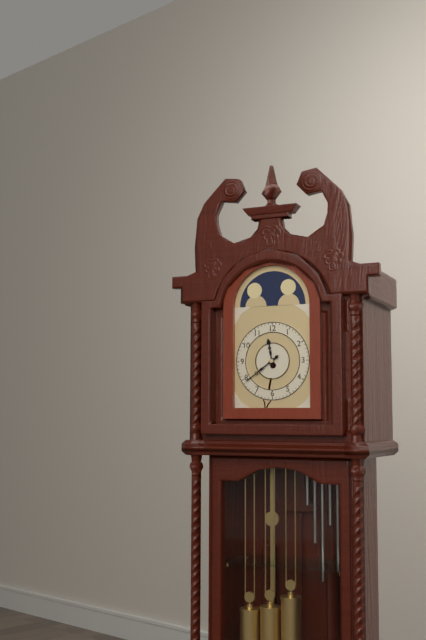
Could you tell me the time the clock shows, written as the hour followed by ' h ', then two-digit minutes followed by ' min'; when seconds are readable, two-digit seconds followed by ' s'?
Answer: 11 h 39 min
